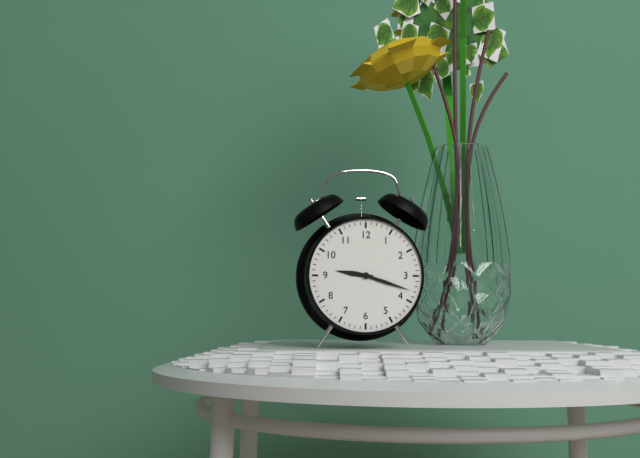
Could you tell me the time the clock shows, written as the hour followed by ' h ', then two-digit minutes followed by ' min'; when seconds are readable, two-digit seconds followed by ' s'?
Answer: 9 h 18 min
